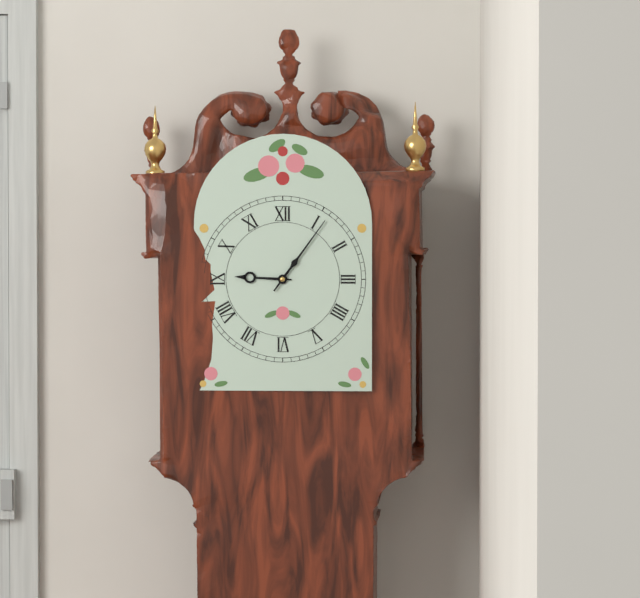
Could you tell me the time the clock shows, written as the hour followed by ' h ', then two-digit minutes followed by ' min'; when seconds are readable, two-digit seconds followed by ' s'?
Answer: 9 h 06 min
